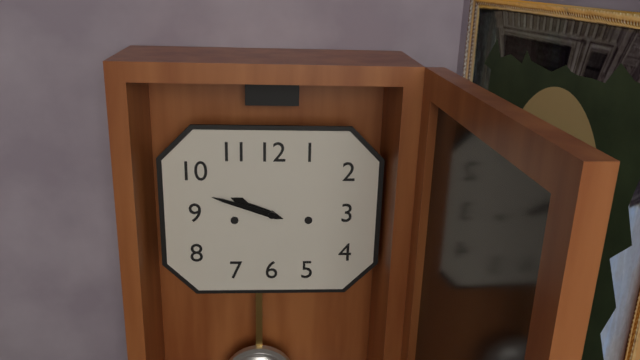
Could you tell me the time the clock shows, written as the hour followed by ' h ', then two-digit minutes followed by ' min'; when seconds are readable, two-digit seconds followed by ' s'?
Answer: 9 h 48 min
